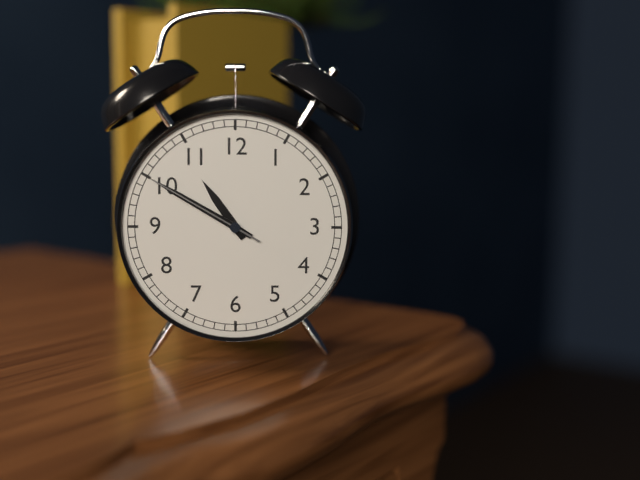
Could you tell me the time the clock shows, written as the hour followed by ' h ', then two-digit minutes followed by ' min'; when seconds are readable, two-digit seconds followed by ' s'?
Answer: 10 h 50 min 50 s
